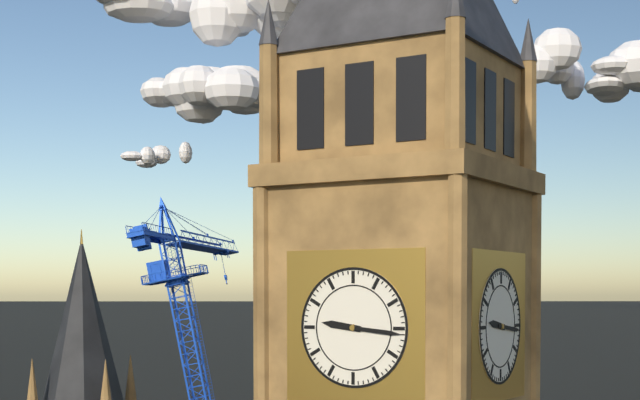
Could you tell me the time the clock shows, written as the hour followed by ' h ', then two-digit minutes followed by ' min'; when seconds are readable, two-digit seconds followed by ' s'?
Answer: 9 h 16 min
